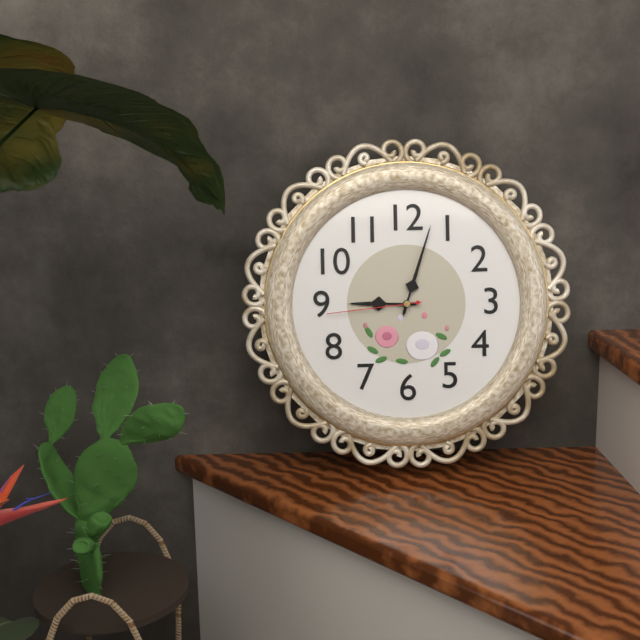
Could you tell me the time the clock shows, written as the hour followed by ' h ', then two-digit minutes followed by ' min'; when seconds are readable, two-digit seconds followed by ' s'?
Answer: 9 h 03 min 44 s
